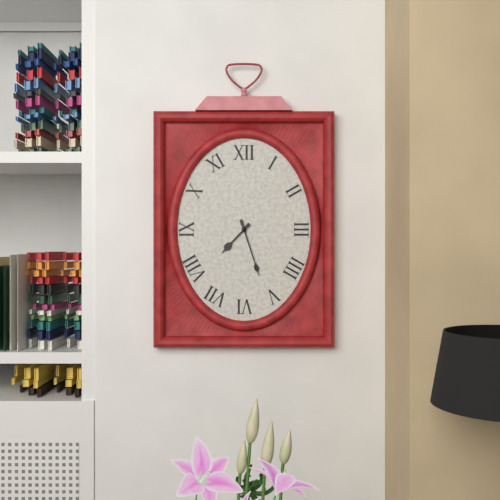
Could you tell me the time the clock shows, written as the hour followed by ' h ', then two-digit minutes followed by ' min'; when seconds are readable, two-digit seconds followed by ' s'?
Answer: 7 h 27 min
